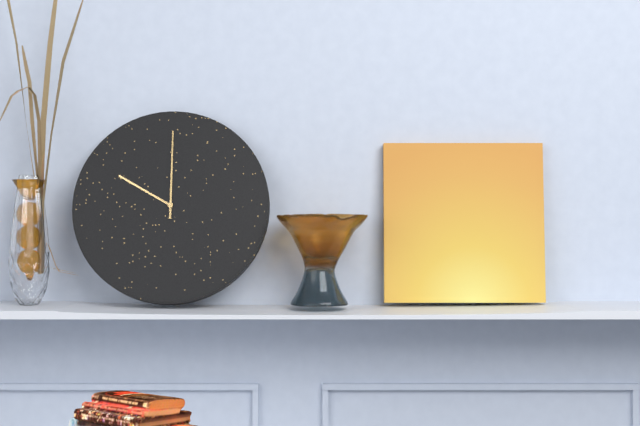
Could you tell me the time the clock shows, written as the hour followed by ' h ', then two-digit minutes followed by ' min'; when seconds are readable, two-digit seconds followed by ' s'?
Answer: 10 h 00 min
